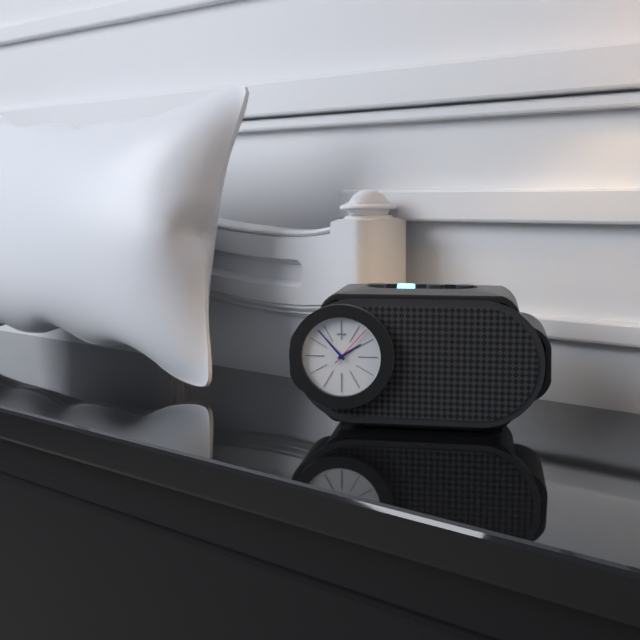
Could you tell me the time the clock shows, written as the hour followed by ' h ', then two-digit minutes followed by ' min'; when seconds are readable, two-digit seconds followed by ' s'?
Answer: 1 h 53 min
